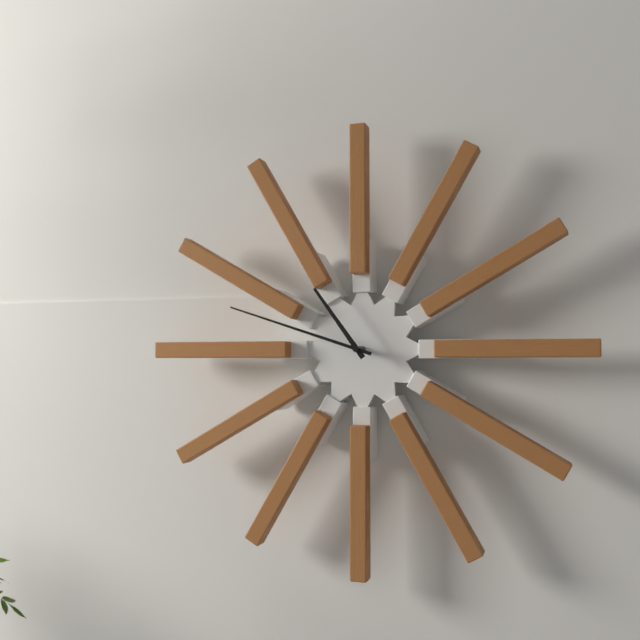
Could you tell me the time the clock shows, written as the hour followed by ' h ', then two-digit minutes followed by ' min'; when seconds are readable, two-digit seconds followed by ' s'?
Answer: 10 h 48 min
